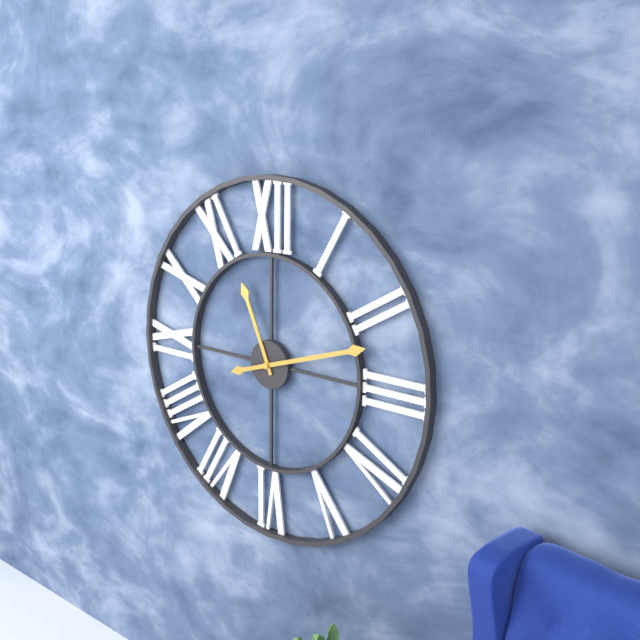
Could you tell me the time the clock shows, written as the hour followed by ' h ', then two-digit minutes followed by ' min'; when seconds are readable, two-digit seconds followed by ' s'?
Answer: 11 h 12 min
